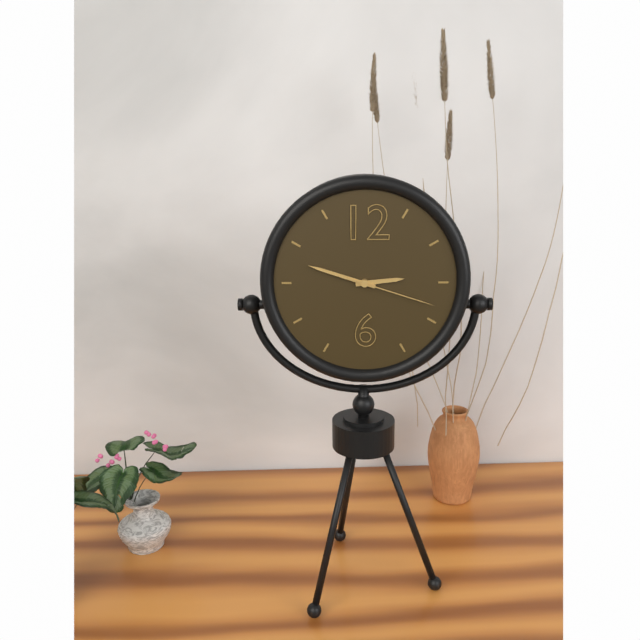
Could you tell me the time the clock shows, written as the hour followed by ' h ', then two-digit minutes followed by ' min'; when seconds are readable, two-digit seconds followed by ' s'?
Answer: 2 h 48 min 18 s
